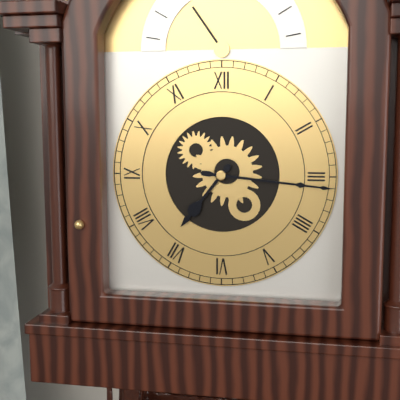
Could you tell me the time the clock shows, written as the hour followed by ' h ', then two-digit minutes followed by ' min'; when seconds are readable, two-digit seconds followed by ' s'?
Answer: 7 h 16 min
